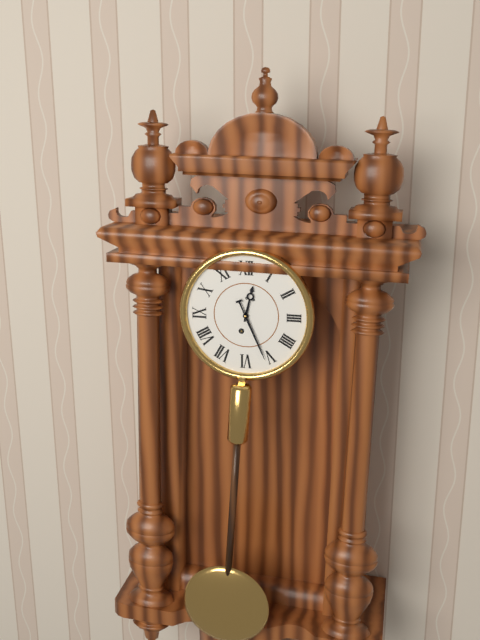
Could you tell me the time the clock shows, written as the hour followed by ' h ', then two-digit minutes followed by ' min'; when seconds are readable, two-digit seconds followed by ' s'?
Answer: 12 h 26 min
